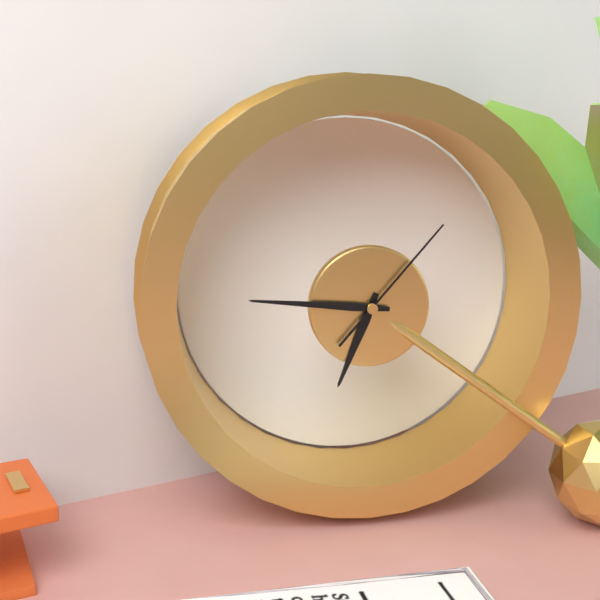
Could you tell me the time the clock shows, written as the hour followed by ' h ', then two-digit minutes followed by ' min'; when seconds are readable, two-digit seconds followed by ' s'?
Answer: 6 h 46 min 07 s
